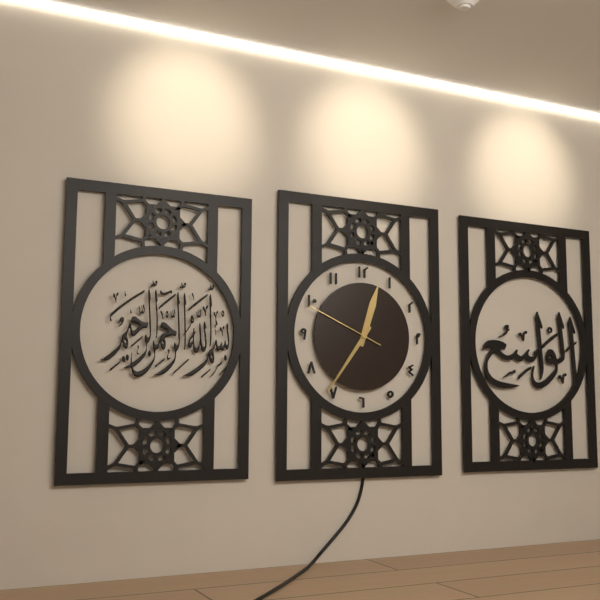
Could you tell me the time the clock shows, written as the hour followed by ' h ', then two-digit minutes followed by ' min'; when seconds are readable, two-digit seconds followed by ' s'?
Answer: 12 h 36 min 49 s
